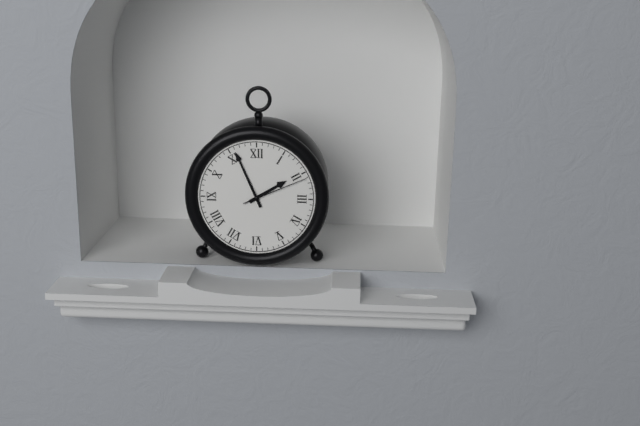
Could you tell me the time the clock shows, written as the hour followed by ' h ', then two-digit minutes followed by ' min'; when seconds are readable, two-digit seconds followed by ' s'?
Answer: 1 h 56 min 11 s
